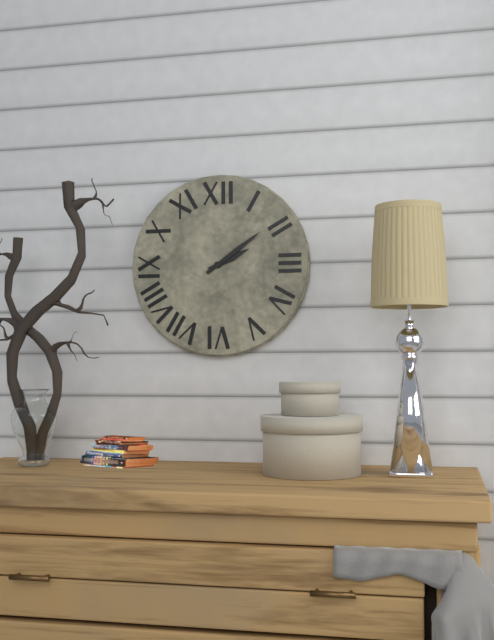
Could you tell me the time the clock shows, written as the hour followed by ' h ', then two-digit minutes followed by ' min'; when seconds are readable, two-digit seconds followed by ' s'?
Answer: 2 h 09 min
